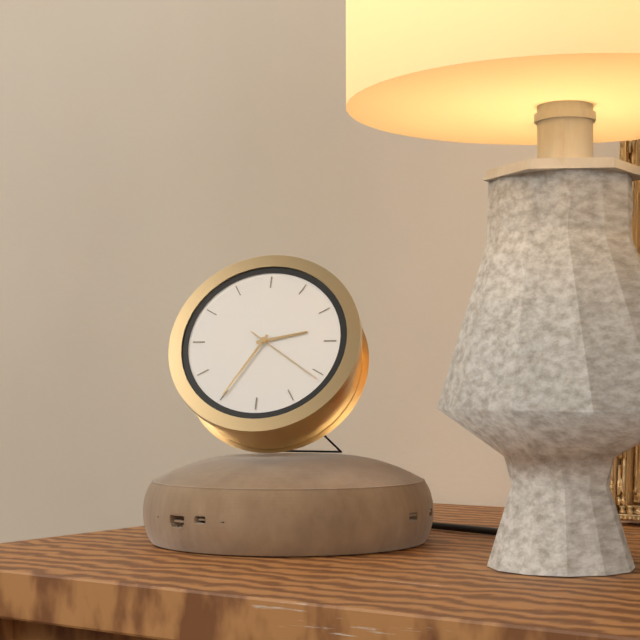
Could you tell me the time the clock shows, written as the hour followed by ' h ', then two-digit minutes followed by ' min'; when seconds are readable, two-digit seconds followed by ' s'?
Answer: 2 h 35 min 21 s
